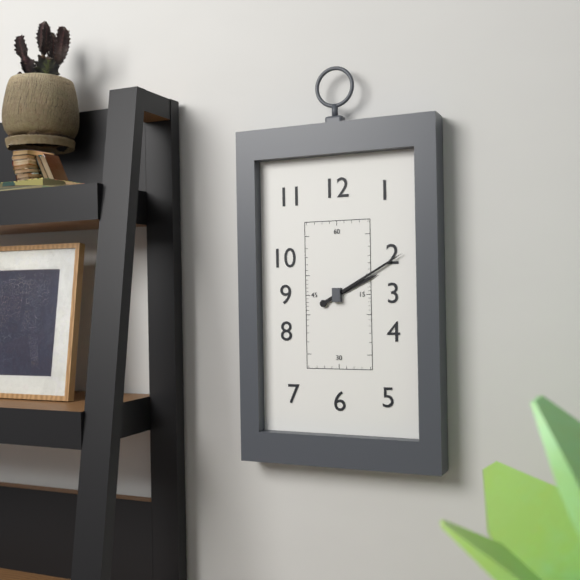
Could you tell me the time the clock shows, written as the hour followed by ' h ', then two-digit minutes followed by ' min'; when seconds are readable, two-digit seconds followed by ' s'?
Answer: 2 h 10 min
